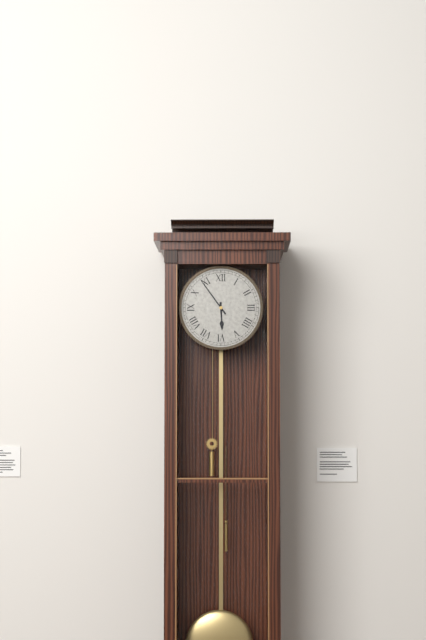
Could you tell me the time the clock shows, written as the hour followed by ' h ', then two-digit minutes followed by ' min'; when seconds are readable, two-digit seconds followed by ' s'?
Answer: 5 h 54 min
